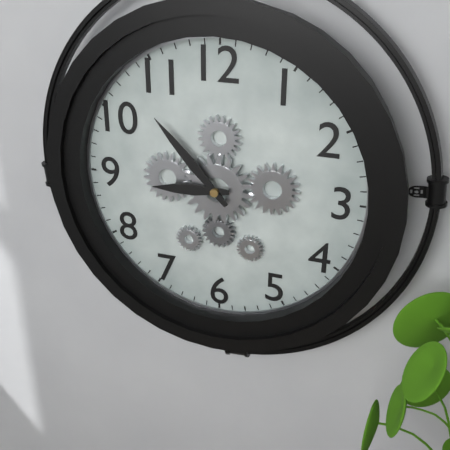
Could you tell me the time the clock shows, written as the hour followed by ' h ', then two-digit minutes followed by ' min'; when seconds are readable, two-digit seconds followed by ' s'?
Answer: 8 h 53 min
